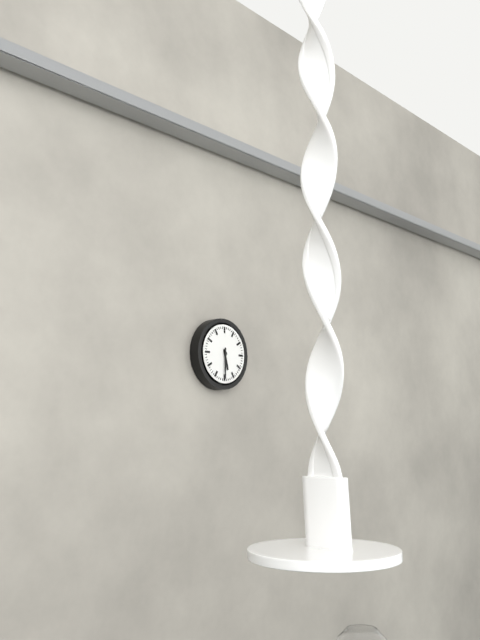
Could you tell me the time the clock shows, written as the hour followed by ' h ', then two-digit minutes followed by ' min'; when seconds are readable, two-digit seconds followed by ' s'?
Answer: 5 h 30 min
